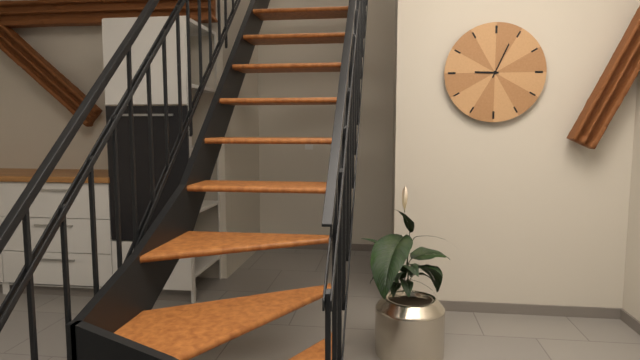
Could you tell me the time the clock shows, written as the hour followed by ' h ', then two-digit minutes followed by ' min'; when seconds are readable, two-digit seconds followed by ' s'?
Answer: 9 h 04 min
